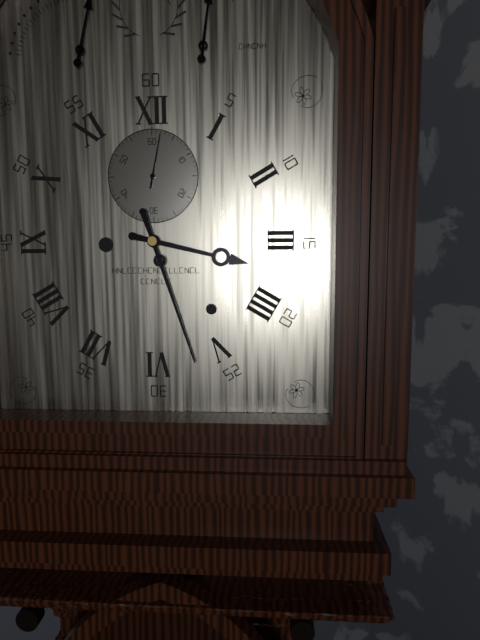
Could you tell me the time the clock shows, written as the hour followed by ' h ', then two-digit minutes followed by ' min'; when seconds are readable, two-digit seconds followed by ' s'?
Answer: 3 h 27 min 02 s
